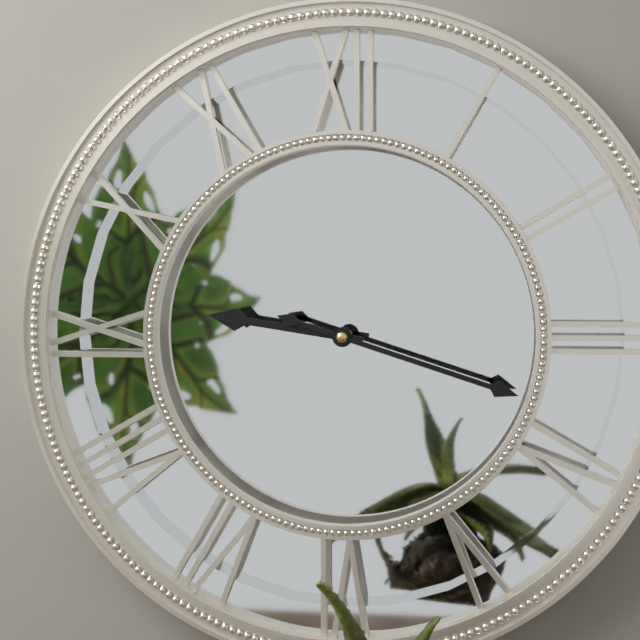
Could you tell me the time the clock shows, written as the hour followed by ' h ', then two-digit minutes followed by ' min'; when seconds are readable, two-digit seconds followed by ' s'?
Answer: 9 h 18 min
